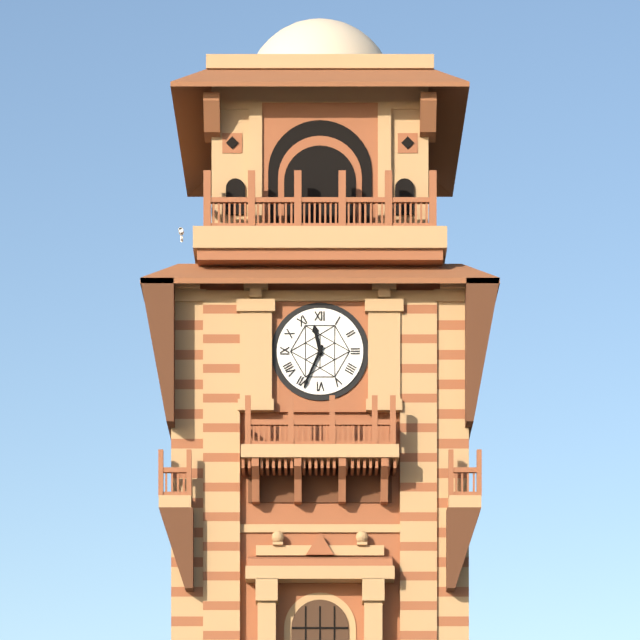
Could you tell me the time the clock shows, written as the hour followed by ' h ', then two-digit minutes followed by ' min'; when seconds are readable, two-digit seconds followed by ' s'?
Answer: 11 h 34 min
